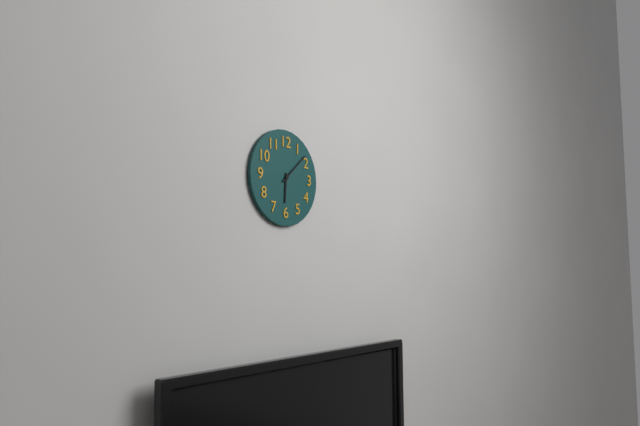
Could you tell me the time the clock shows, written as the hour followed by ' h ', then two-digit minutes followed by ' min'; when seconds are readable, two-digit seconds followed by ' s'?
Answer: 6 h 08 min
